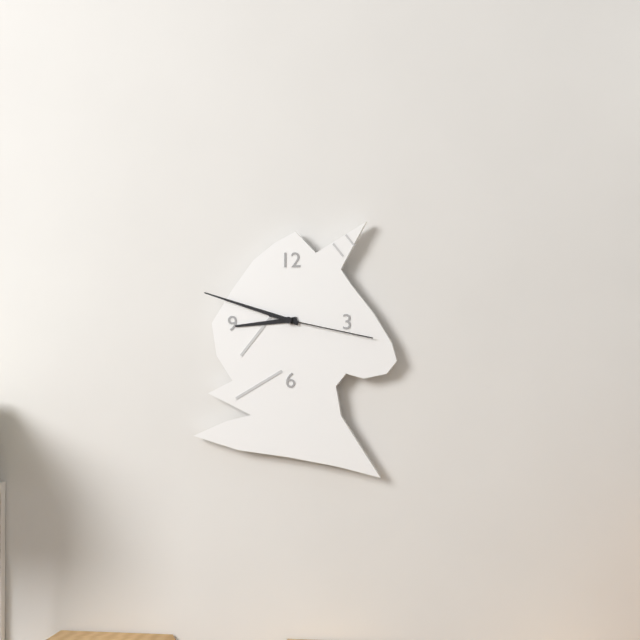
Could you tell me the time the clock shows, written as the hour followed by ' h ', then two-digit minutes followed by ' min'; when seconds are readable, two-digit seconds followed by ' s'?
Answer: 8 h 48 min 17 s
